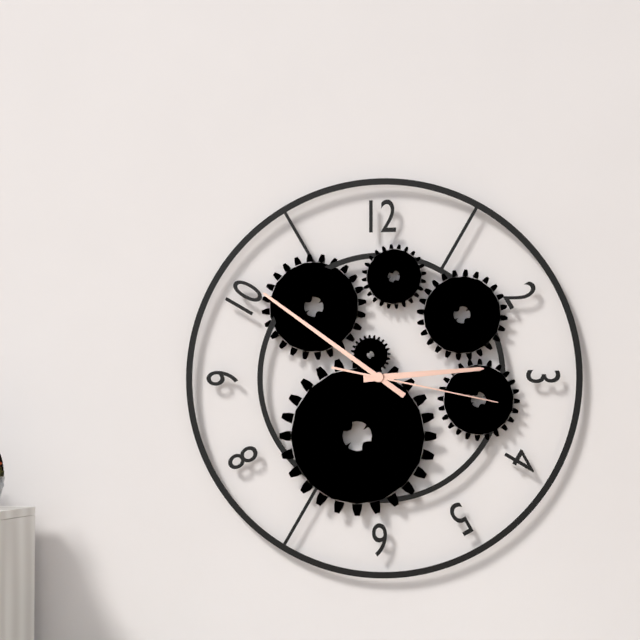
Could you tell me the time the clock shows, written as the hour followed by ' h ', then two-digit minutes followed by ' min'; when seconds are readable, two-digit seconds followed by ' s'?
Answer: 2 h 51 min 17 s
